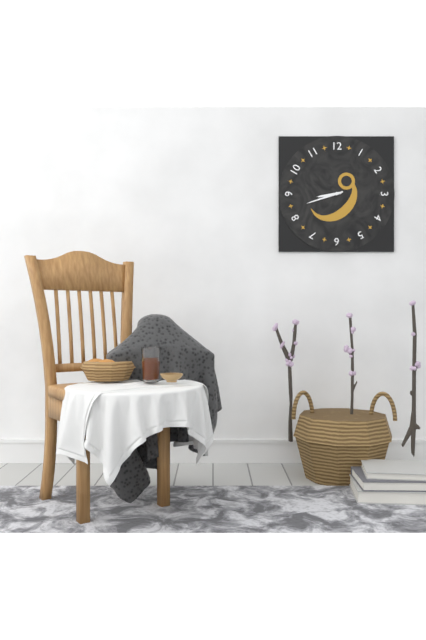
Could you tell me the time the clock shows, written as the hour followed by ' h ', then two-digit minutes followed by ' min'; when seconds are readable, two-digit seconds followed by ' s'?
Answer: 8 h 42 min
